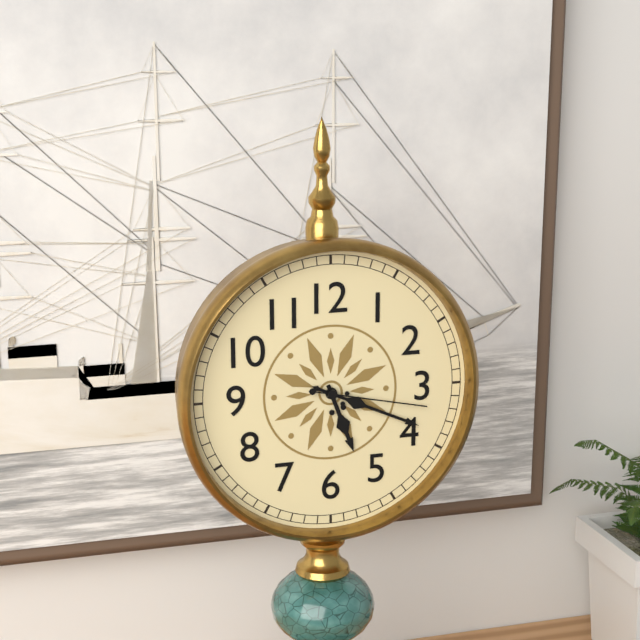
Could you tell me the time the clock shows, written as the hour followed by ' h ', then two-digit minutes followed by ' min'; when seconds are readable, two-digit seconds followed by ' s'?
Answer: 5 h 19 min 17 s
